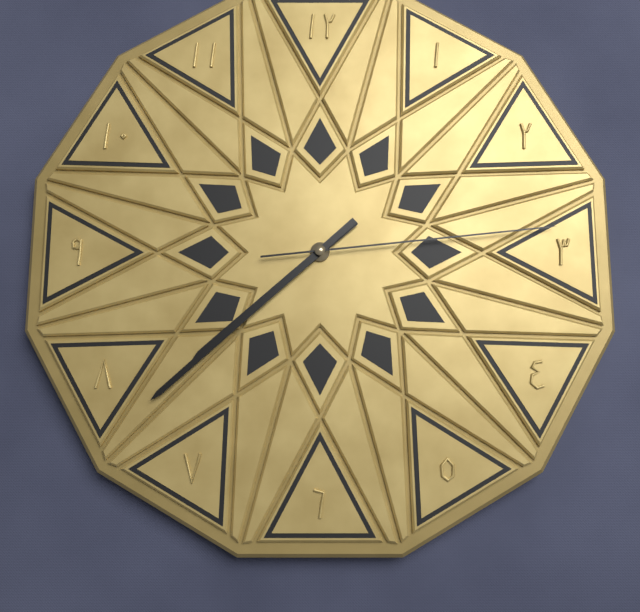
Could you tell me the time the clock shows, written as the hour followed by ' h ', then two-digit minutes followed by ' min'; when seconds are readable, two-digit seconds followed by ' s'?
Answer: 7 h 38 min 14 s
